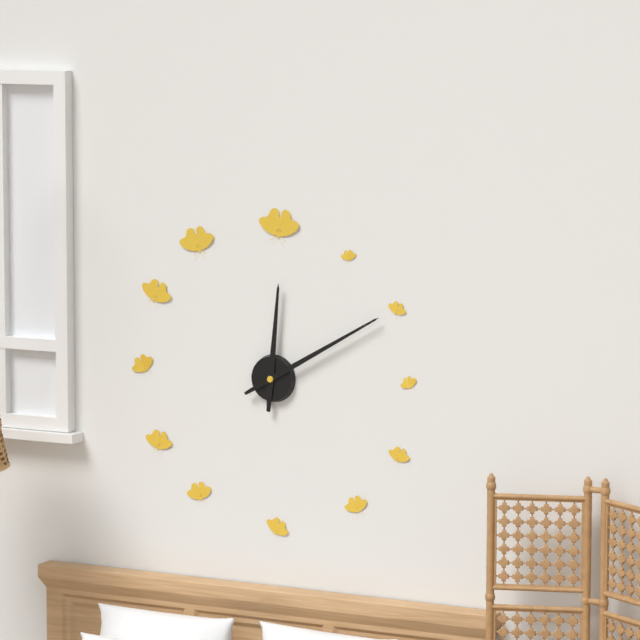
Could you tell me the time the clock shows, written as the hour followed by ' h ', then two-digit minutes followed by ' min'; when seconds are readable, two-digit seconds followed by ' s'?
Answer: 12 h 10 min
